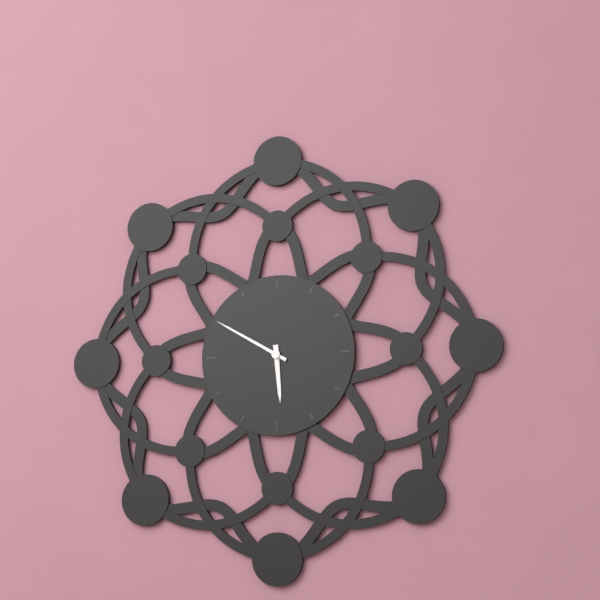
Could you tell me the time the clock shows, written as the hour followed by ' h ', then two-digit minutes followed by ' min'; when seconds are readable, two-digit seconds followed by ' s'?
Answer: 5 h 50 min
